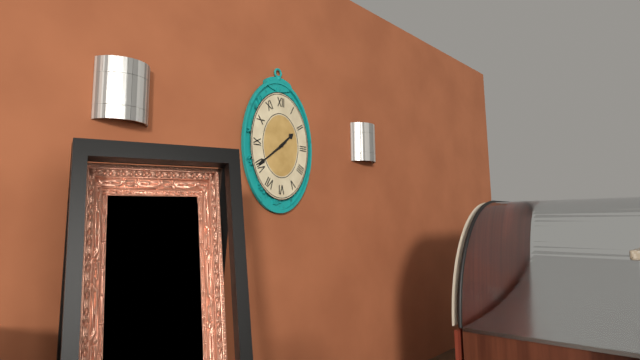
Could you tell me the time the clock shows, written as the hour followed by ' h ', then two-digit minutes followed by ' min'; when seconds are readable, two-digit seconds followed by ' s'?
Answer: 1 h 39 min
